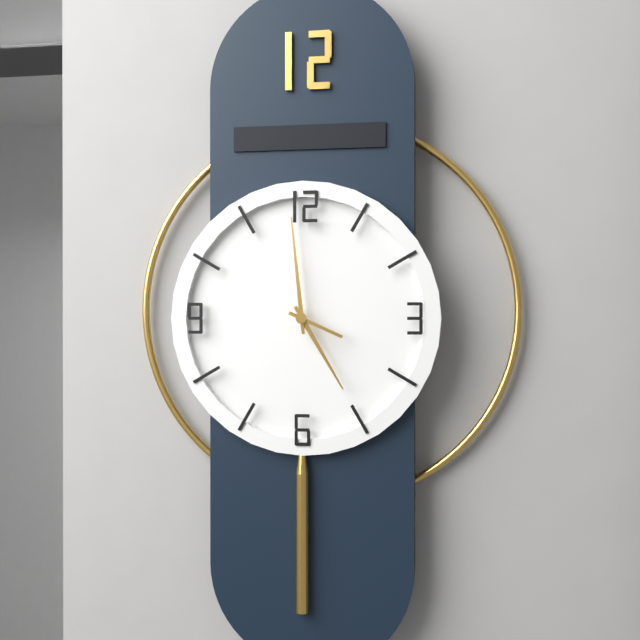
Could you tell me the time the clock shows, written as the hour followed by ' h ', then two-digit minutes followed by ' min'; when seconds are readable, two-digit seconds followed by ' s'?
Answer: 4 h 59 min 19 s
